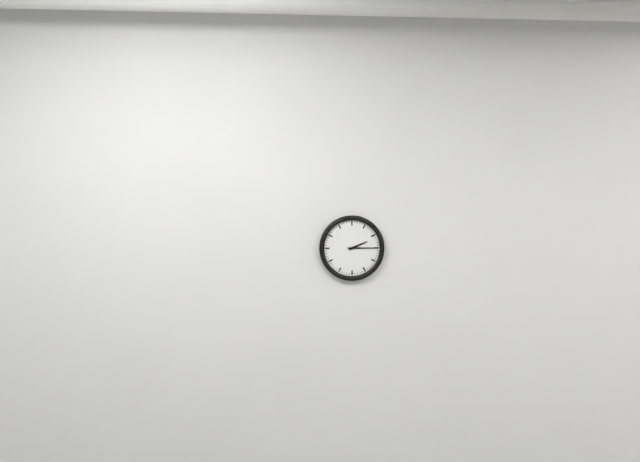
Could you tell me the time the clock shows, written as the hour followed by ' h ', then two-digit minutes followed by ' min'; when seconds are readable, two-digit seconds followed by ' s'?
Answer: 2 h 15 min
